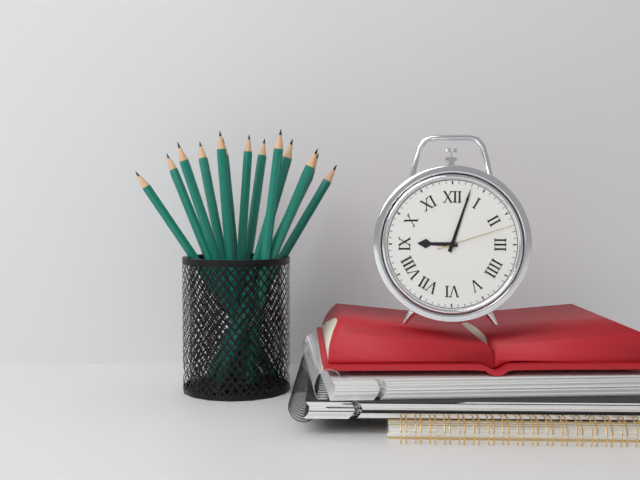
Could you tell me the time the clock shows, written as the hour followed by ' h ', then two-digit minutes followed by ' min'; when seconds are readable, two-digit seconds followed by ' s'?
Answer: 9 h 03 min 12 s
